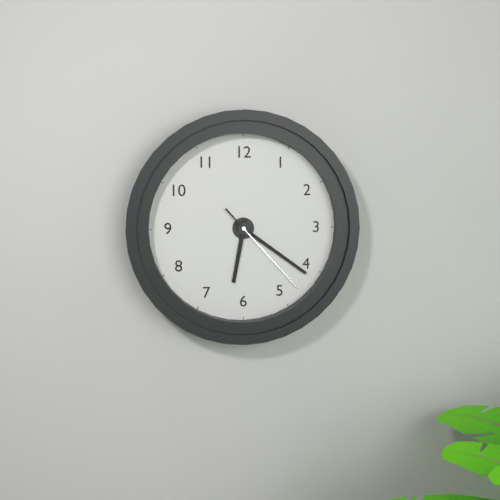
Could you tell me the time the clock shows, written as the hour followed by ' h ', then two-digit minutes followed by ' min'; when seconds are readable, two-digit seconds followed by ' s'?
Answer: 6 h 21 min 23 s
